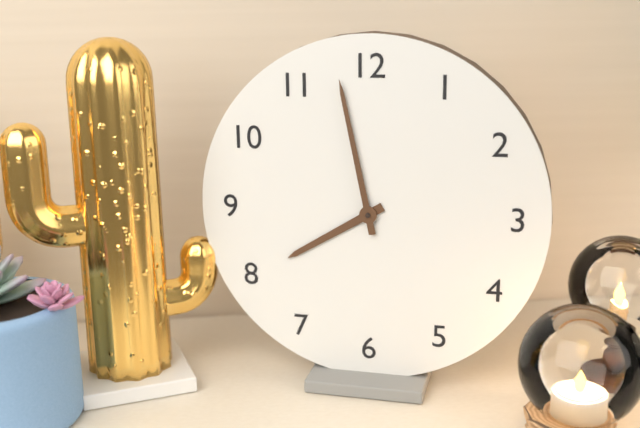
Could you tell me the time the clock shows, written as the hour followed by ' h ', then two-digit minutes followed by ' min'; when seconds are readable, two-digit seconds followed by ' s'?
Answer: 7 h 58 min
